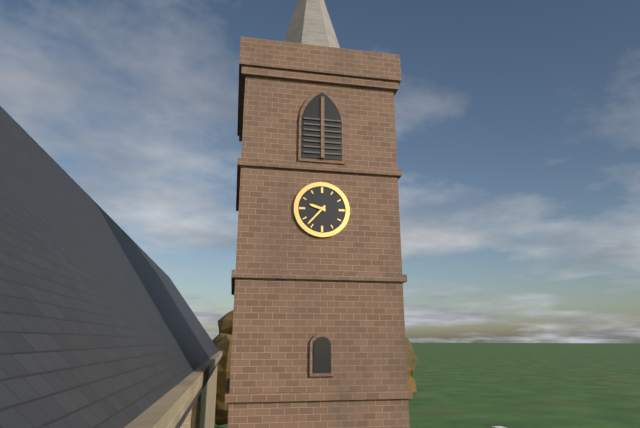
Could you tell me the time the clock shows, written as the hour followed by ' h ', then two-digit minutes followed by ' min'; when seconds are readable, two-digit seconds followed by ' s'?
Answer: 9 h 37 min
